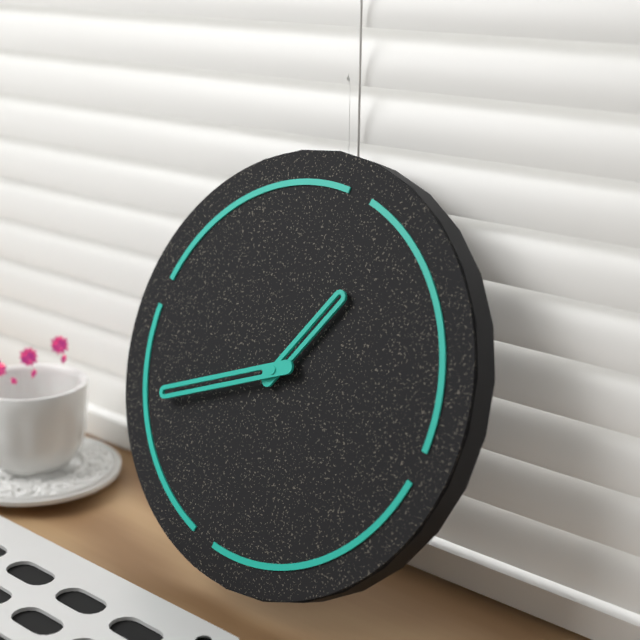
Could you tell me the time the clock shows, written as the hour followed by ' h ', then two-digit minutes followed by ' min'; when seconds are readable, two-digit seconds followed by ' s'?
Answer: 12 h 39 min
